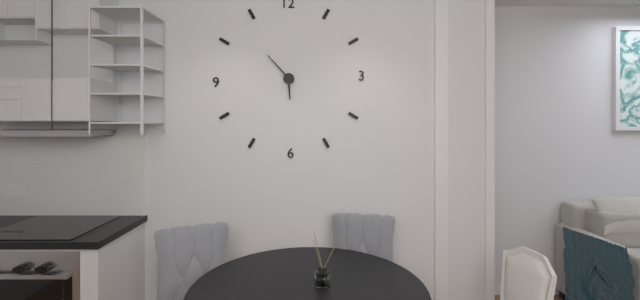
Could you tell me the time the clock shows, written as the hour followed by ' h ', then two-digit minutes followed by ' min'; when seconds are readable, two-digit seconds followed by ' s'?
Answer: 5 h 53 min
